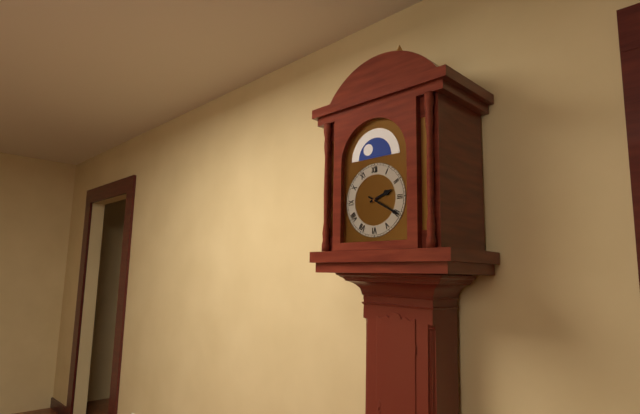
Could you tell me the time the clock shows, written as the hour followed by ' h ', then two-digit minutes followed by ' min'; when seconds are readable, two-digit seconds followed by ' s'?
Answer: 2 h 20 min
